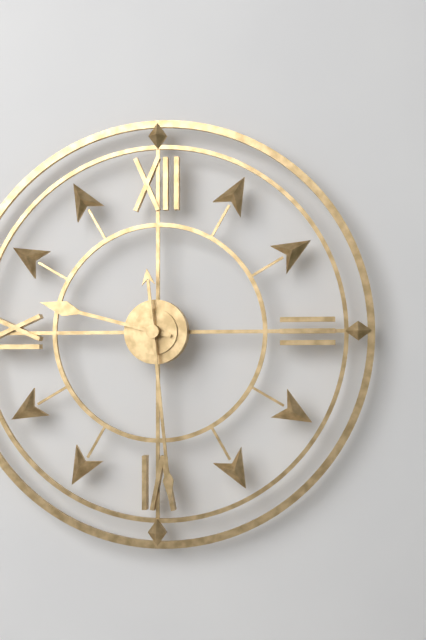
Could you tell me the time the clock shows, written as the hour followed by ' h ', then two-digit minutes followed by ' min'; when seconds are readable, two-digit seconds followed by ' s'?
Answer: 9 h 29 min
